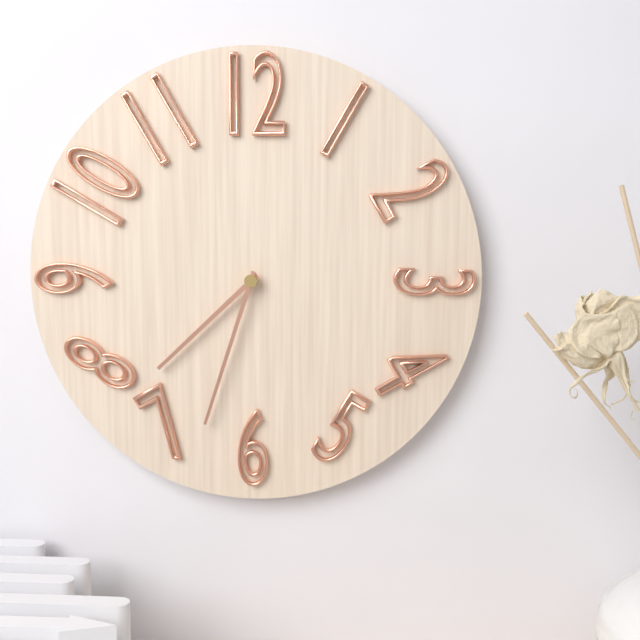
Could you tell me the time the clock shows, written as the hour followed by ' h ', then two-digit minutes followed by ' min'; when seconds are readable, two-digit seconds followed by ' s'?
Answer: 7 h 33 min
